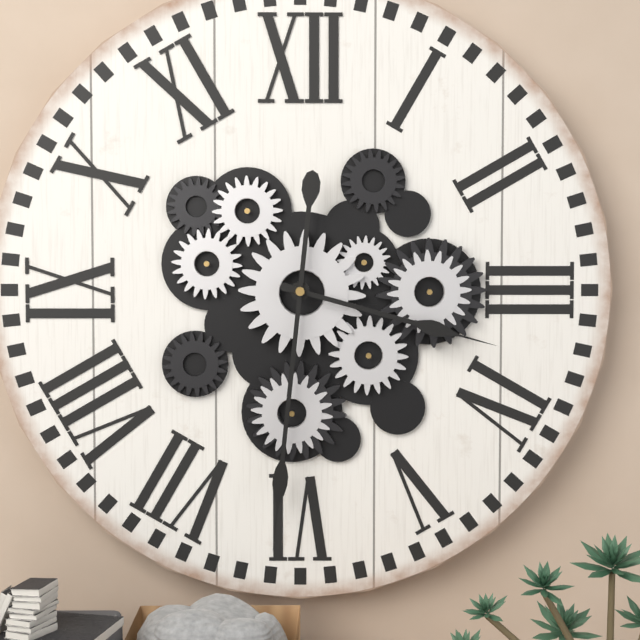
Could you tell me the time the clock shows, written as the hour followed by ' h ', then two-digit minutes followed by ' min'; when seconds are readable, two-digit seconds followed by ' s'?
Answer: 3 h 31 min
